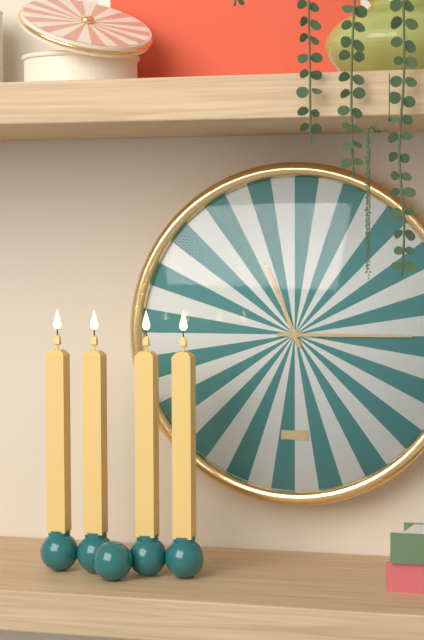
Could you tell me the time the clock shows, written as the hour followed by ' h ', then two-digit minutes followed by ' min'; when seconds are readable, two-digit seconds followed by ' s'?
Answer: 11 h 15 min
